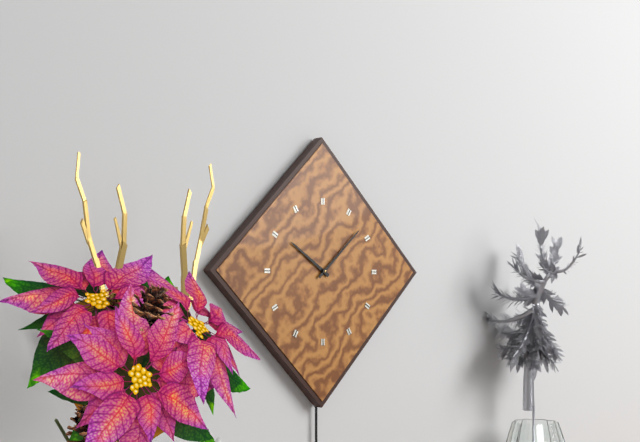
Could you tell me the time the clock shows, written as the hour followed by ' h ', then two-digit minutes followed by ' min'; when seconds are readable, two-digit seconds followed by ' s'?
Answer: 10 h 08 min
